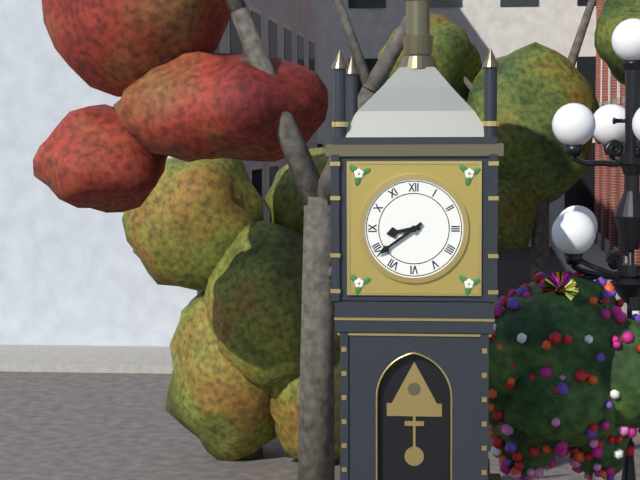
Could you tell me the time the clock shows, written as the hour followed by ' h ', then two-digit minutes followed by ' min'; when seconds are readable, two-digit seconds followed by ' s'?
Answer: 8 h 39 min
